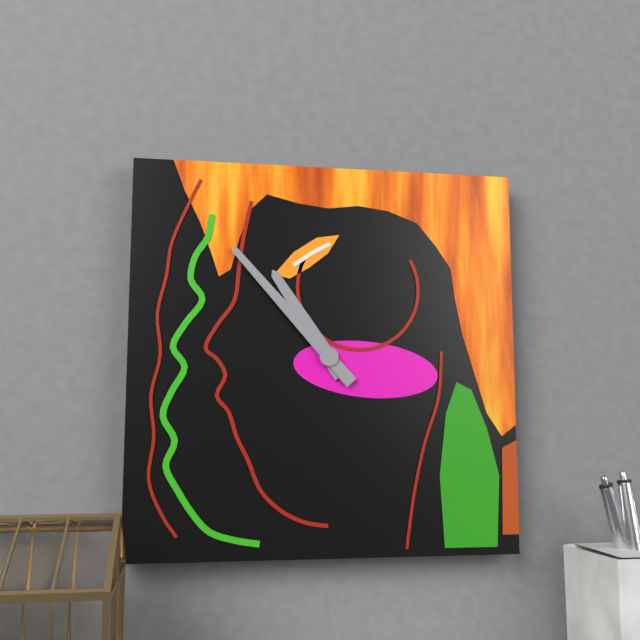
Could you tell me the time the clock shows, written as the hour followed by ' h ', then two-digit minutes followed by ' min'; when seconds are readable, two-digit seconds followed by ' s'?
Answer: 10 h 53 min
